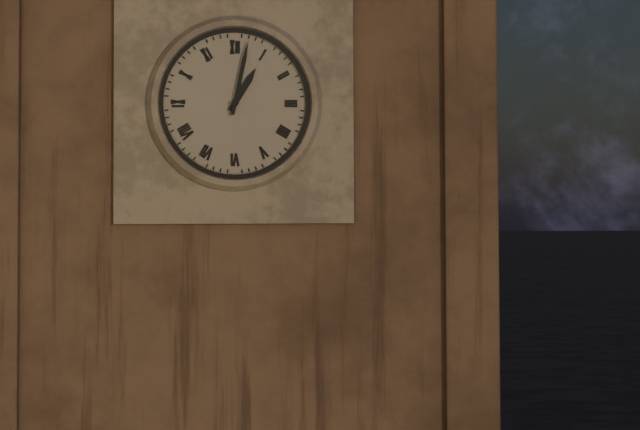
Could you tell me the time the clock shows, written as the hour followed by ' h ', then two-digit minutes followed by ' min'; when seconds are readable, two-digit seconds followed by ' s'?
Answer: 1 h 02 min
